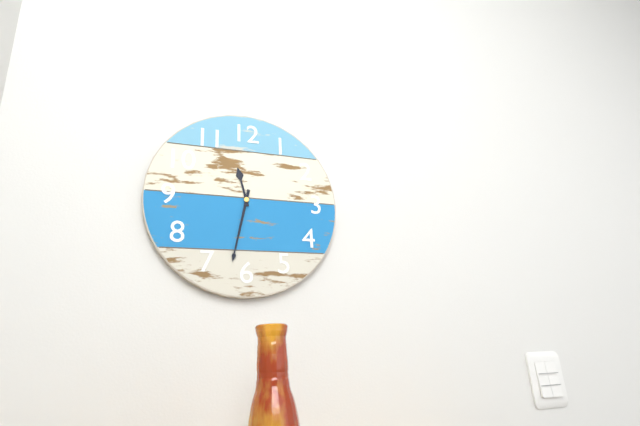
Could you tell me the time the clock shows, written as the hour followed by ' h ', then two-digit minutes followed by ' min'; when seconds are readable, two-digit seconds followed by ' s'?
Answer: 11 h 32 min
